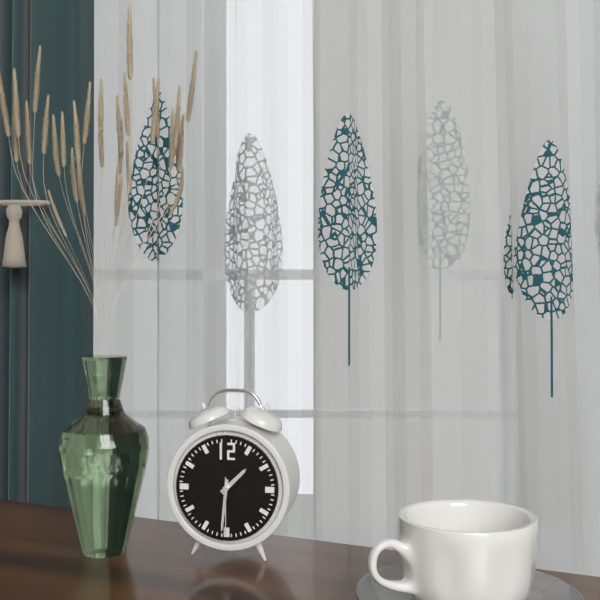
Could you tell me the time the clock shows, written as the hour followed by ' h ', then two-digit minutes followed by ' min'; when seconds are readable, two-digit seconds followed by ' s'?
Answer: 1 h 31 min 30 s
